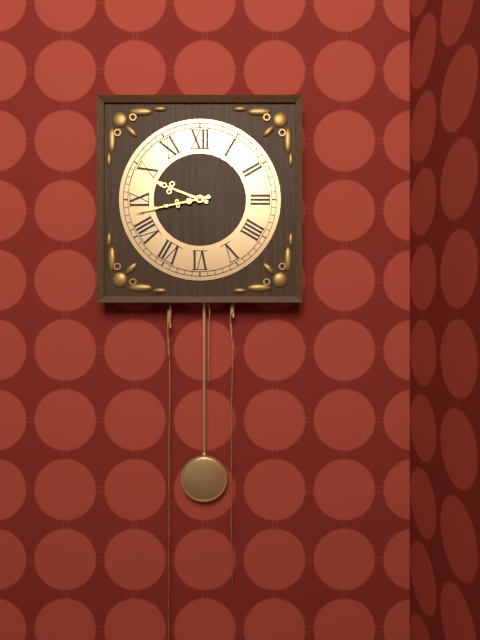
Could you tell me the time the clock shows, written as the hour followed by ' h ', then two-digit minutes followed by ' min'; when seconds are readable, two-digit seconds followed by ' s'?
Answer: 9 h 43 min
